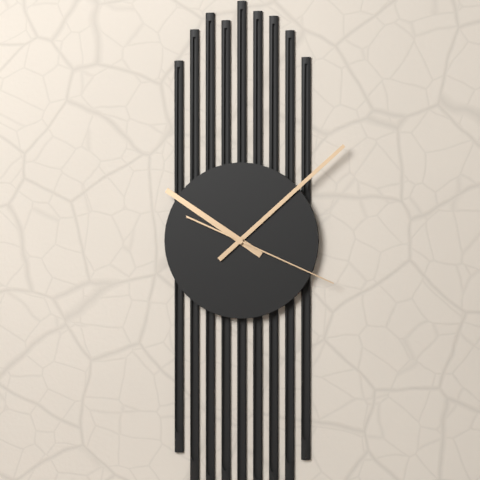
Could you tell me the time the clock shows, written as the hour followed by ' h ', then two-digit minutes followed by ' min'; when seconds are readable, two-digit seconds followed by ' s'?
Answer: 10 h 08 min 19 s
